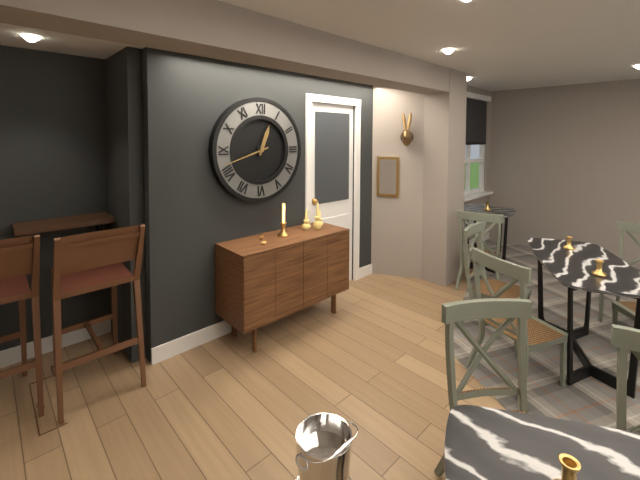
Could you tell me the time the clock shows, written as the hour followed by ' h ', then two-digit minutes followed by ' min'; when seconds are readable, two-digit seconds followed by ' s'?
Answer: 12 h 42 min
